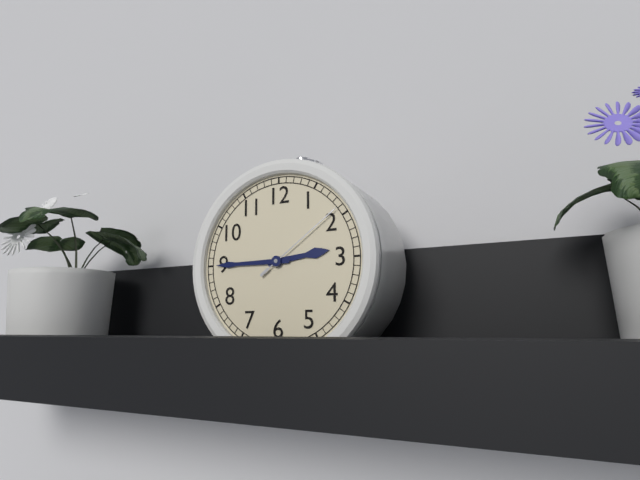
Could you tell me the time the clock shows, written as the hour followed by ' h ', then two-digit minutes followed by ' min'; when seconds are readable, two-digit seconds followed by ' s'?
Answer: 2 h 45 min 09 s
